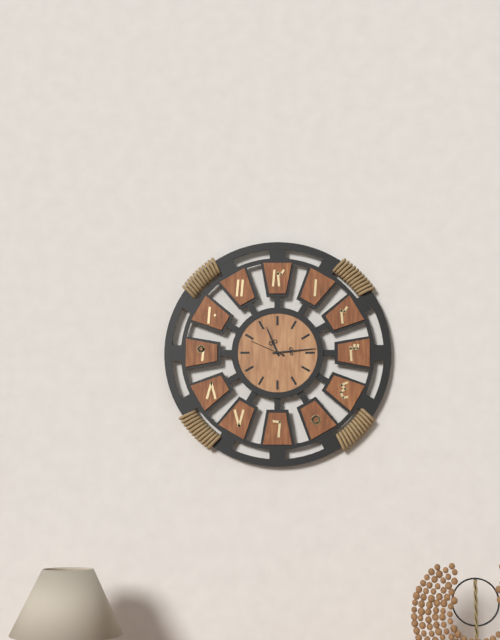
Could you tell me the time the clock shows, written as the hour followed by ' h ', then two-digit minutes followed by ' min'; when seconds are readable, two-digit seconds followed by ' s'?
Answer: 11 h 14 min
